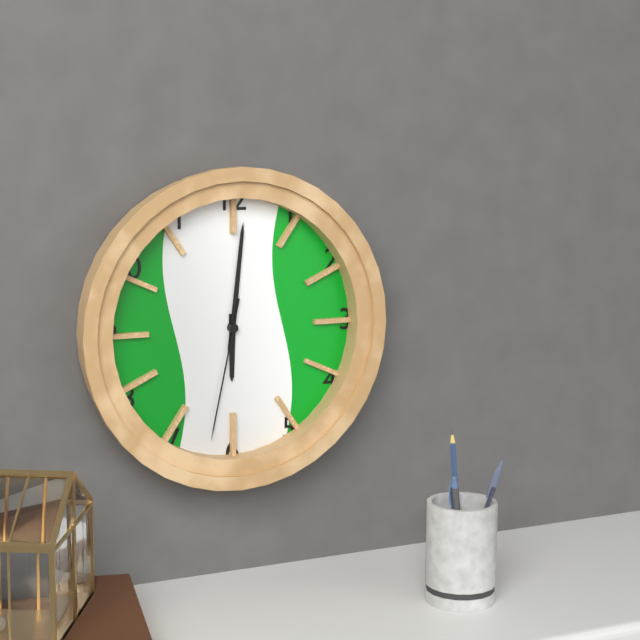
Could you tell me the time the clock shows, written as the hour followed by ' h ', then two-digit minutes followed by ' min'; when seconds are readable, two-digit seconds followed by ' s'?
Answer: 6 h 01 min 32 s
